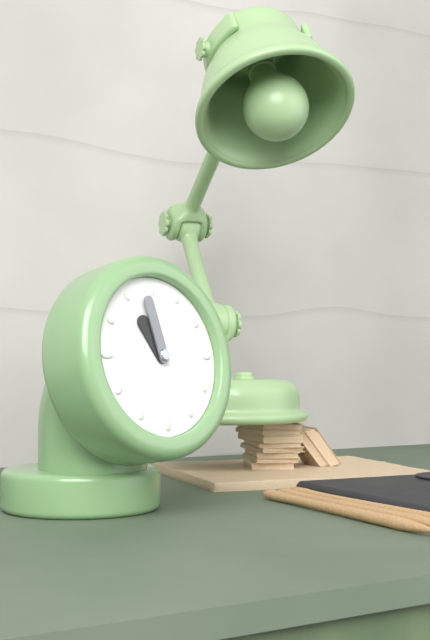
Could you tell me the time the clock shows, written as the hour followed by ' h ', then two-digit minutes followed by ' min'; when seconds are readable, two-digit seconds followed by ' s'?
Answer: 10 h 58 min
